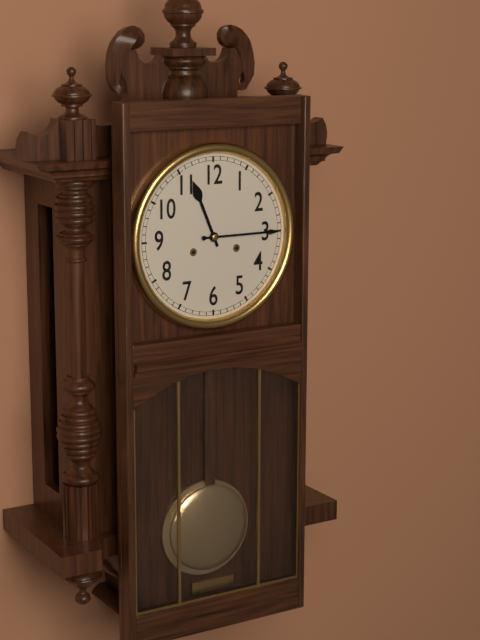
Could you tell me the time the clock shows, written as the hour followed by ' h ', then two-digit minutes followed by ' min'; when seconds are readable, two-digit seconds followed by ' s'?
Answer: 11 h 15 min
